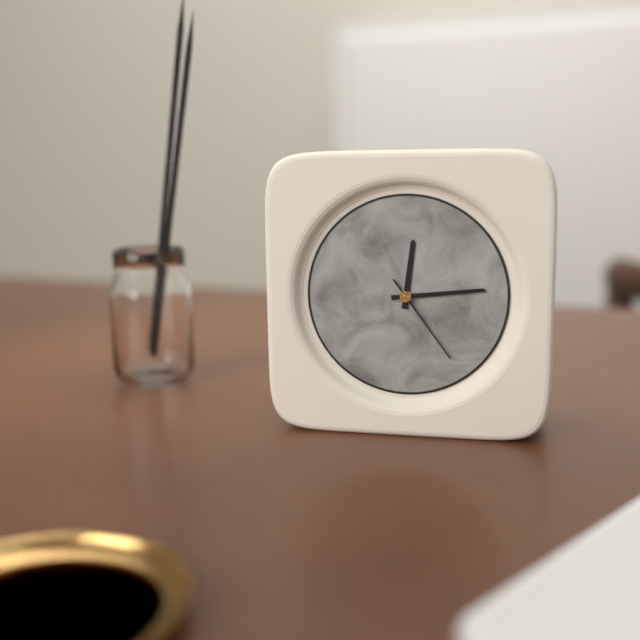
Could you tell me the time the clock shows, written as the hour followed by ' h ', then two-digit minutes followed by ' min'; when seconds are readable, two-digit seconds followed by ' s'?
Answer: 12 h 14 min 24 s
